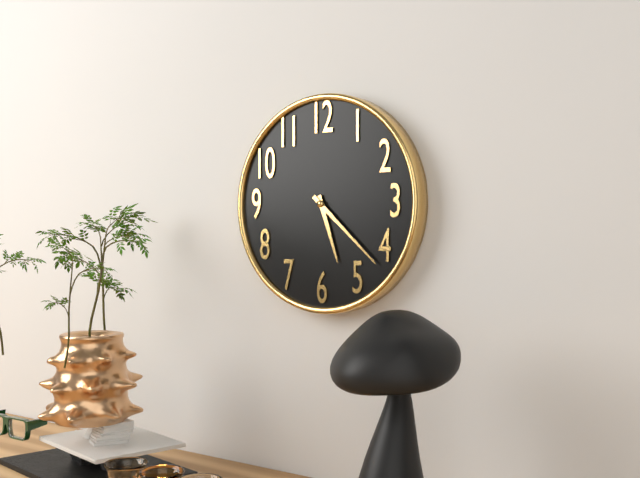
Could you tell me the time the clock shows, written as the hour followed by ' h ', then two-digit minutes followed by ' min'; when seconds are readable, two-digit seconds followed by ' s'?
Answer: 5 h 22 min
